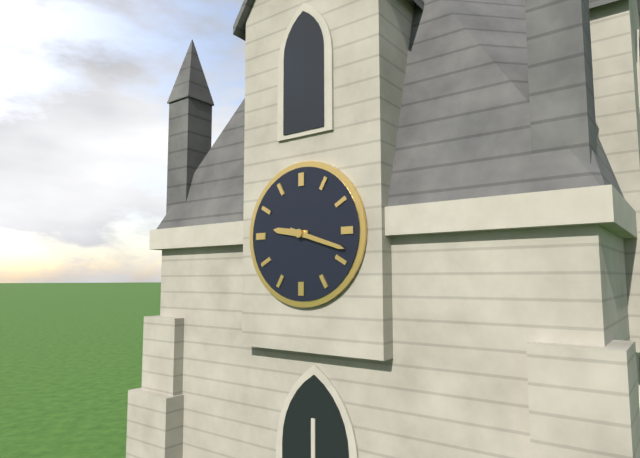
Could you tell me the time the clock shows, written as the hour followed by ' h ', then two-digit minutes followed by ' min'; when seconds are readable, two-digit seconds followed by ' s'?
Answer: 9 h 18 min
